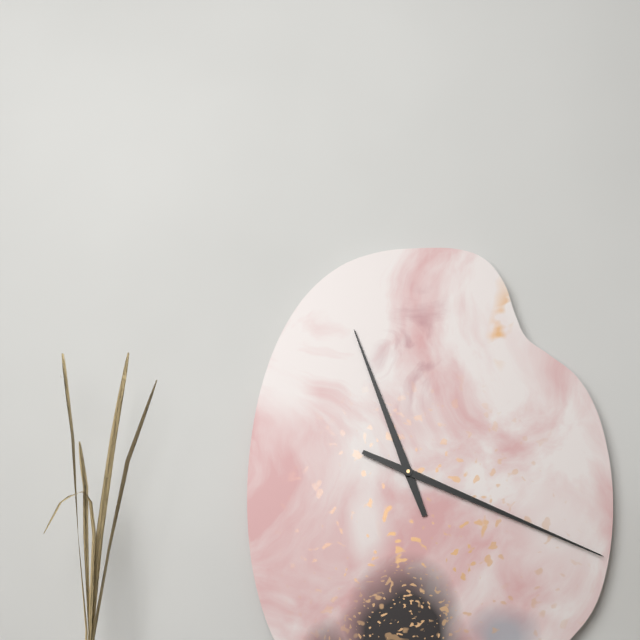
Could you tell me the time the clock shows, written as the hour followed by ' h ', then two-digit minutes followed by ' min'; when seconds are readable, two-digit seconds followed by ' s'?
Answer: 11 h 19 min
